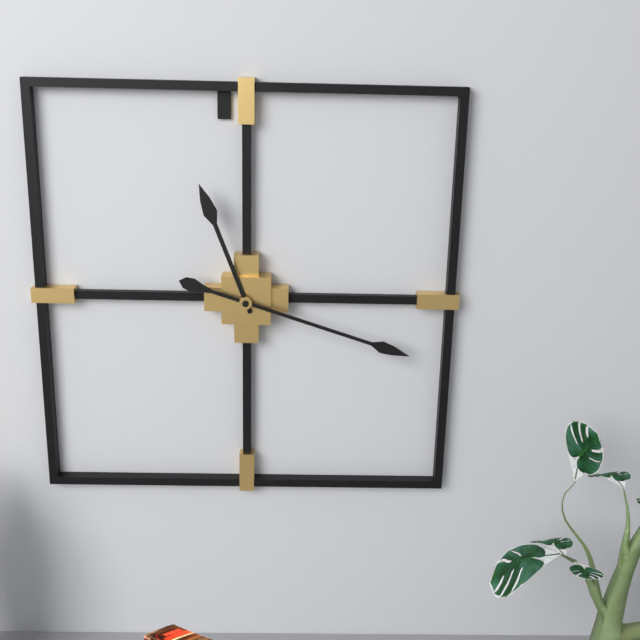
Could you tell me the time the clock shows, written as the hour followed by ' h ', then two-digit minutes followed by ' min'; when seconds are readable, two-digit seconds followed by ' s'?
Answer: 11 h 18 min
